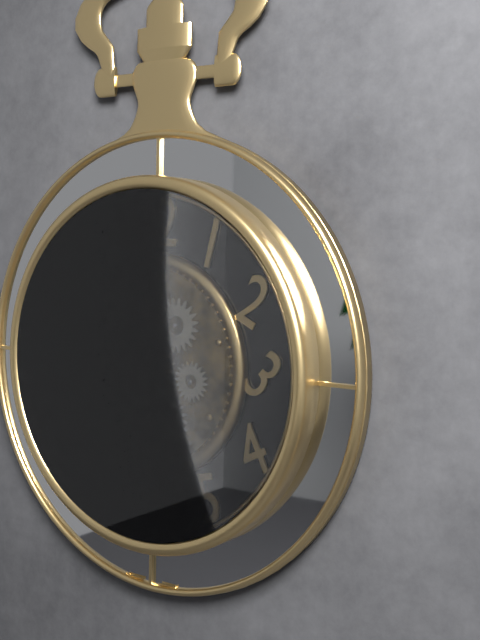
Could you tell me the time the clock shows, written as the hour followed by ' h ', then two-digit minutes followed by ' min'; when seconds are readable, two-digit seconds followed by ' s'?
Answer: 6 h 49 min
